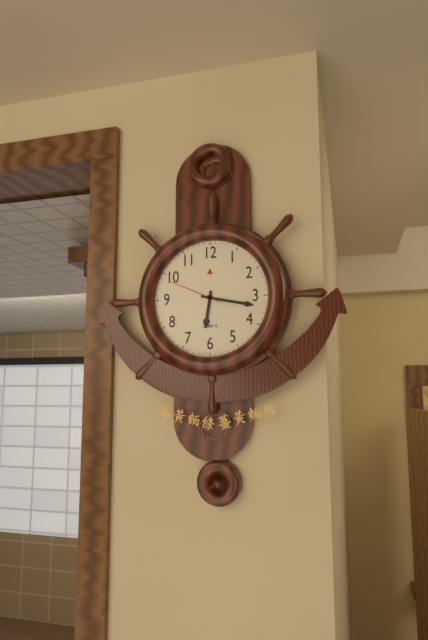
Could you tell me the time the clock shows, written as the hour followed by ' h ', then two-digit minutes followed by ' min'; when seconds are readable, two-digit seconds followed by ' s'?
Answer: 6 h 17 min 49 s
